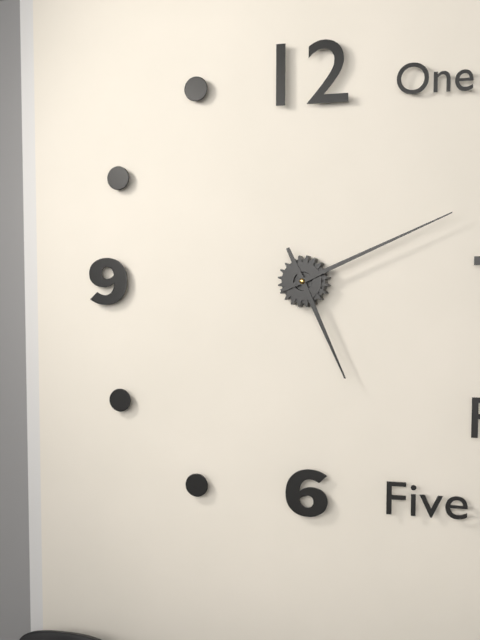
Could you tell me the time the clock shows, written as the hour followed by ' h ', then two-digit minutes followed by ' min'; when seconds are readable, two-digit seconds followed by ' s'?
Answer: 5 h 11 min
